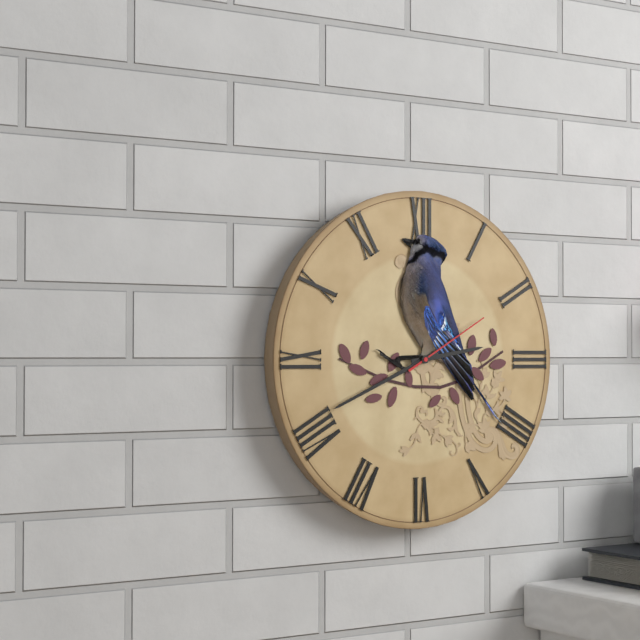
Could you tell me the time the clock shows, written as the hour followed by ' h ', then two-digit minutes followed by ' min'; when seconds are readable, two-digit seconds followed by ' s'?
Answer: 2 h 41 min 10 s
